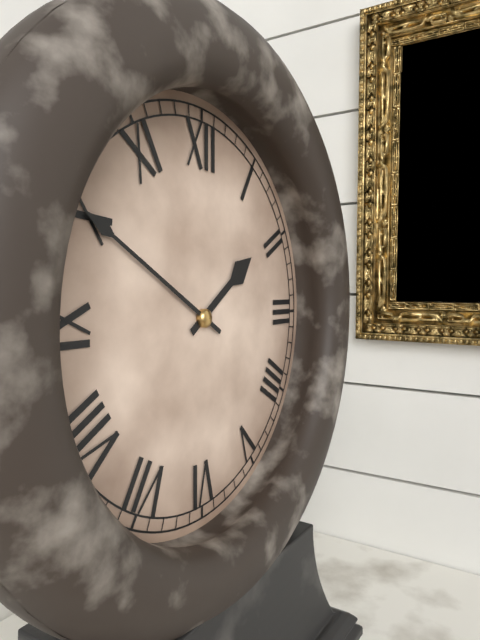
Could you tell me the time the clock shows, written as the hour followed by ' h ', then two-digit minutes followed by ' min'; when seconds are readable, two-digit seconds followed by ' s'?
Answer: 1 h 50 min
